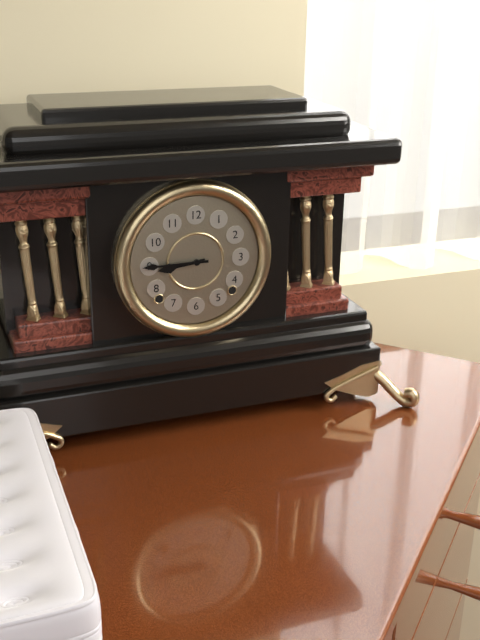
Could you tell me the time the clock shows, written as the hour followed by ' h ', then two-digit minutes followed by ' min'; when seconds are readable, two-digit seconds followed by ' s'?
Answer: 8 h 45 min
